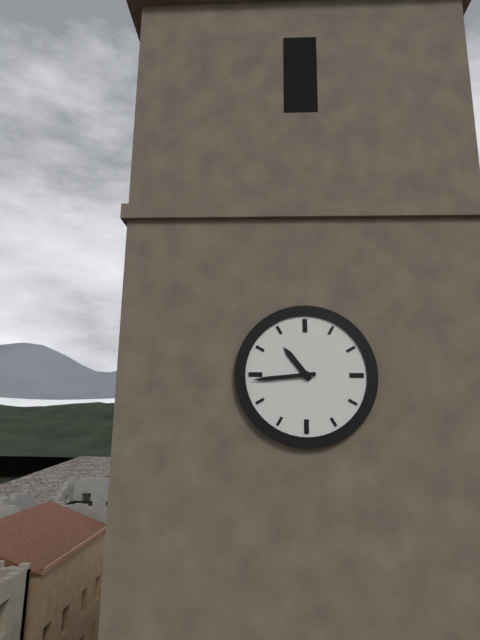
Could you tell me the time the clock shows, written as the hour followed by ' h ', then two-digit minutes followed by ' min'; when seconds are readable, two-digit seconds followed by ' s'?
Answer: 10 h 44 min
